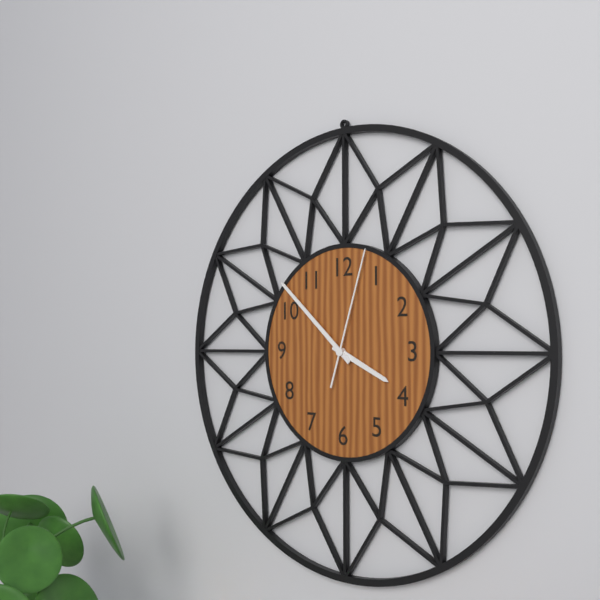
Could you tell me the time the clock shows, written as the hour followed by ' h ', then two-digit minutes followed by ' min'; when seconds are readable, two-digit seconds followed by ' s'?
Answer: 3 h 52 min 03 s
